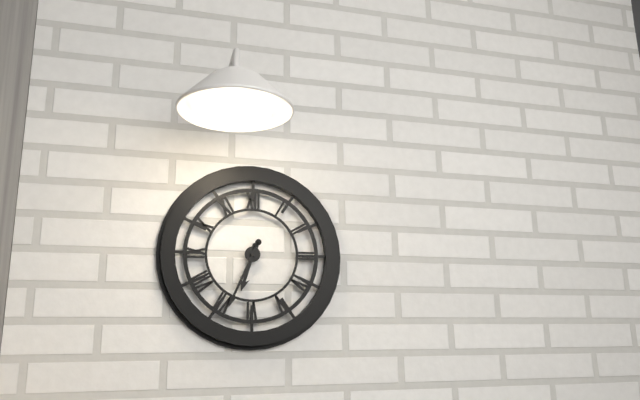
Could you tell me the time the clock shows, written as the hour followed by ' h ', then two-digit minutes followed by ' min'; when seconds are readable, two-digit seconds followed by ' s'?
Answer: 6 h 34 min
